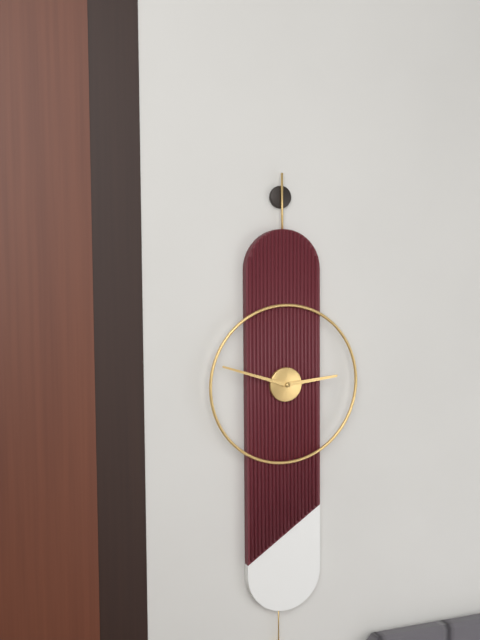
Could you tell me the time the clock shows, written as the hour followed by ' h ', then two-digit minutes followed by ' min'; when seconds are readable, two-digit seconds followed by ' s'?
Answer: 2 h 48 min
